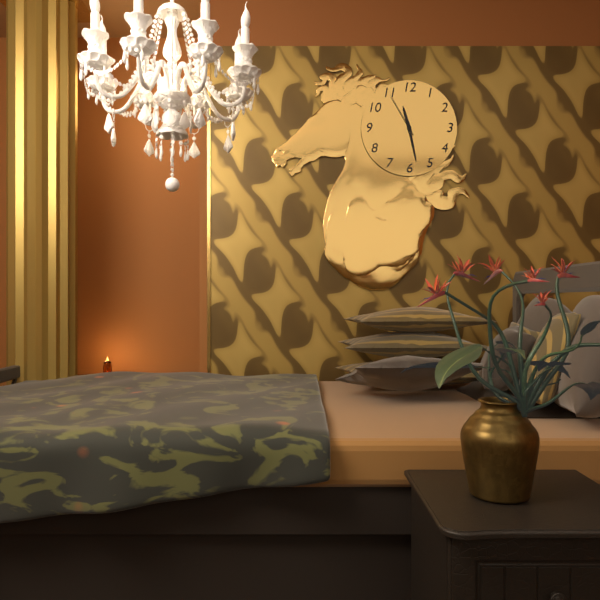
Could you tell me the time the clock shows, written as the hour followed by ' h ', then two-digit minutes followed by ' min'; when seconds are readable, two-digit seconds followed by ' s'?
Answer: 11 h 28 min
